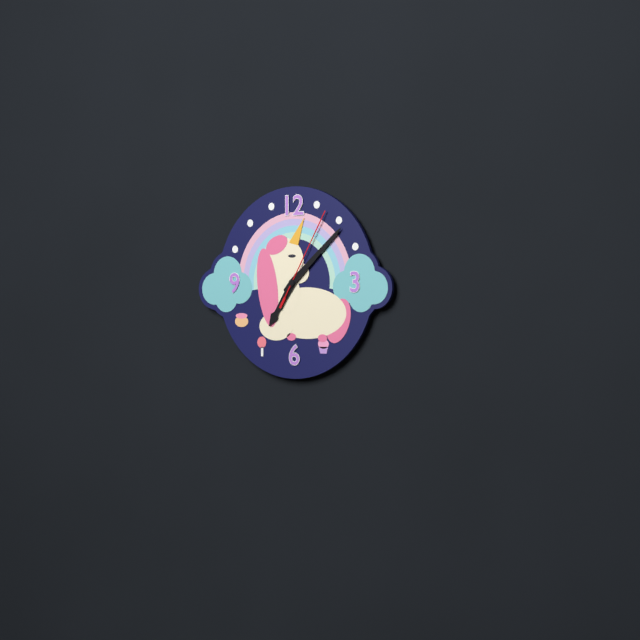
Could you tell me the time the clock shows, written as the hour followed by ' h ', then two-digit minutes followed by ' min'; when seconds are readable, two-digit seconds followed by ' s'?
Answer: 7 h 08 min 05 s
